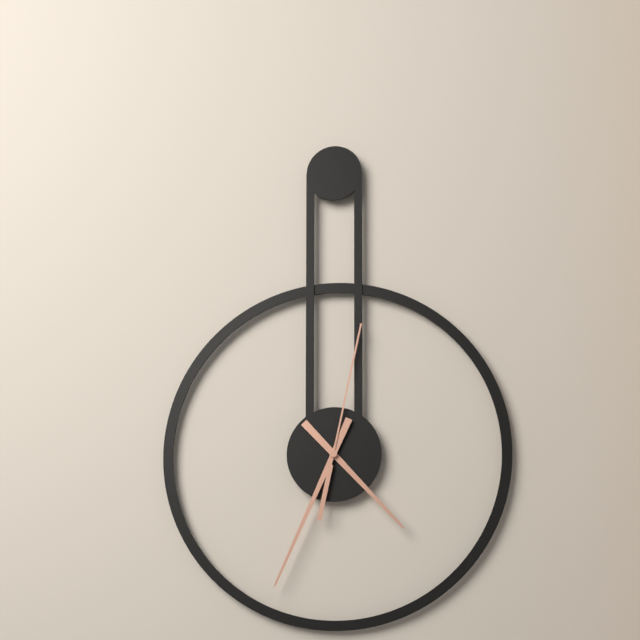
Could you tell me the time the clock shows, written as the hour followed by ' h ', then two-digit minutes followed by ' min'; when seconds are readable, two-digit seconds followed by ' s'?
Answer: 4 h 34 min 02 s
